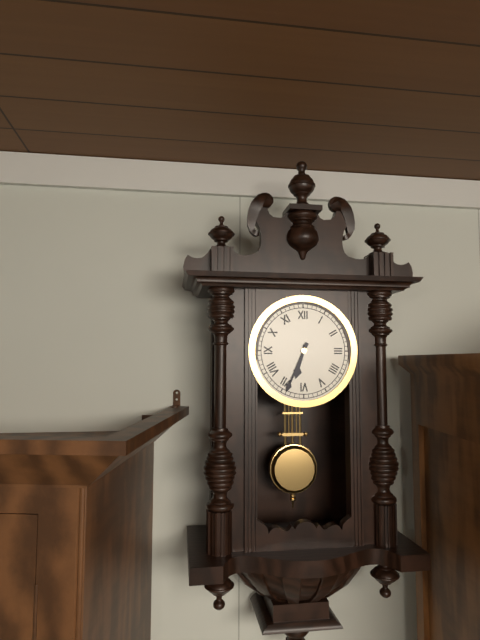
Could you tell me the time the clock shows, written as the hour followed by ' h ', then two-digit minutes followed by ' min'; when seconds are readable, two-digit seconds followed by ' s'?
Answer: 6 h 34 min
